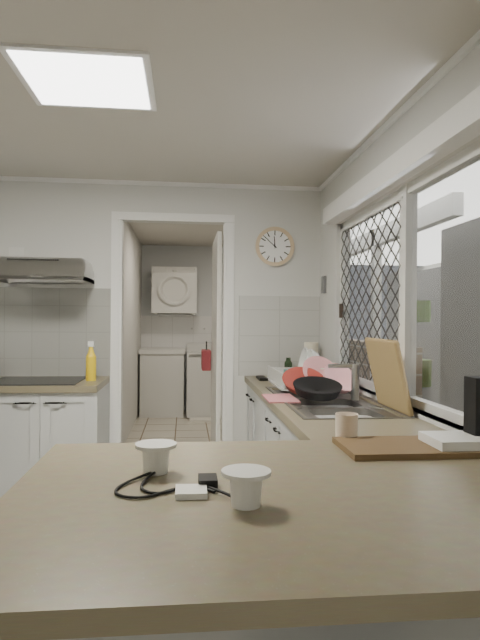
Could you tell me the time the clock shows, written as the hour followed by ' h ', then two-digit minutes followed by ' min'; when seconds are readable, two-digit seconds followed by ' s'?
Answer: 11 h 52 min
